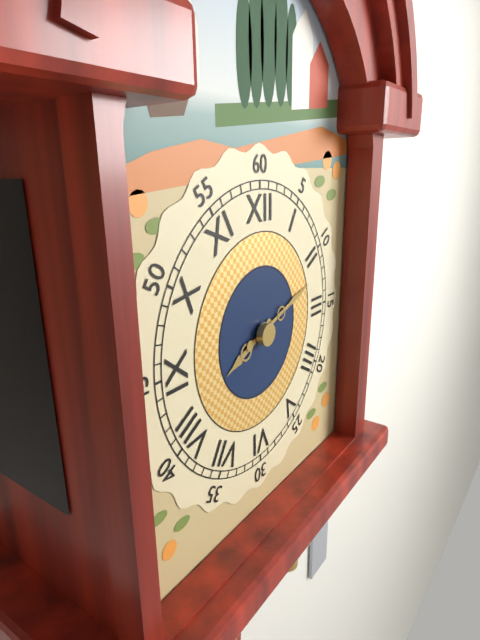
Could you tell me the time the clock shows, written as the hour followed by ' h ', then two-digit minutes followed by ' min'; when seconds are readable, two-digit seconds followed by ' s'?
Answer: 8 h 12 min
